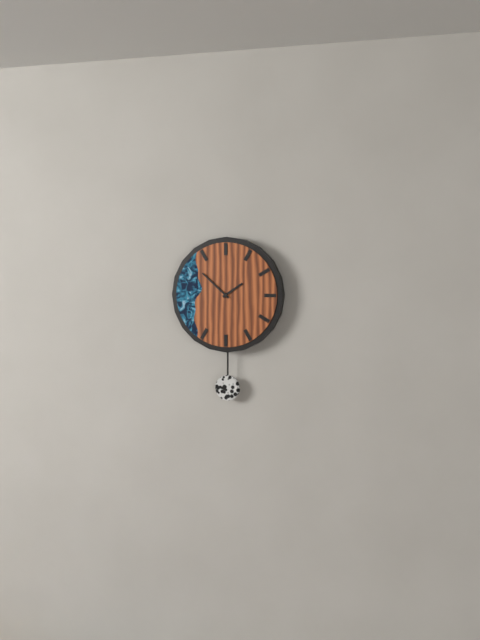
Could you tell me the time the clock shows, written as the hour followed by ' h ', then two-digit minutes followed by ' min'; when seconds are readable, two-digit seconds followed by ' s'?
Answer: 1 h 52 min
